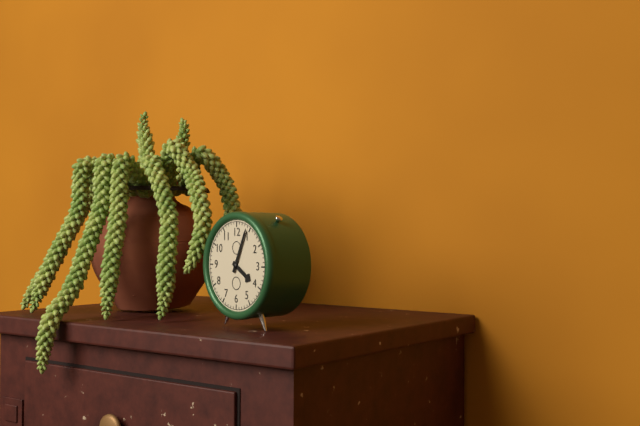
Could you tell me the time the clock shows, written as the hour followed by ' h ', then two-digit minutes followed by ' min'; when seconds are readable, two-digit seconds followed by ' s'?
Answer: 4 h 04 min
